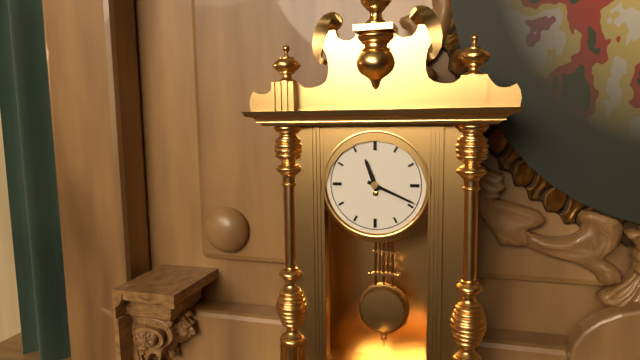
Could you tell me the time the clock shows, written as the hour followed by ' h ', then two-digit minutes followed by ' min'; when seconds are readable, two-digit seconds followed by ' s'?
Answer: 11 h 19 min
